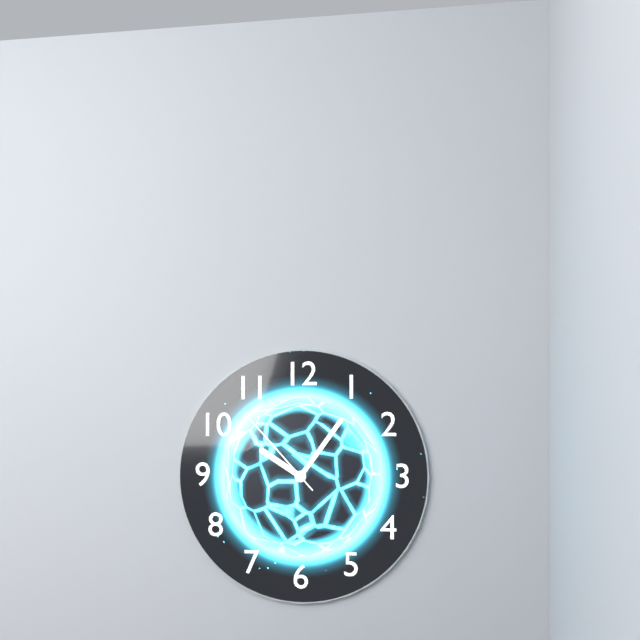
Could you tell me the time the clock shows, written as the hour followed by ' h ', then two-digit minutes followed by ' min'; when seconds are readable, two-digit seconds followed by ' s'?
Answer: 10 h 06 min 53 s
